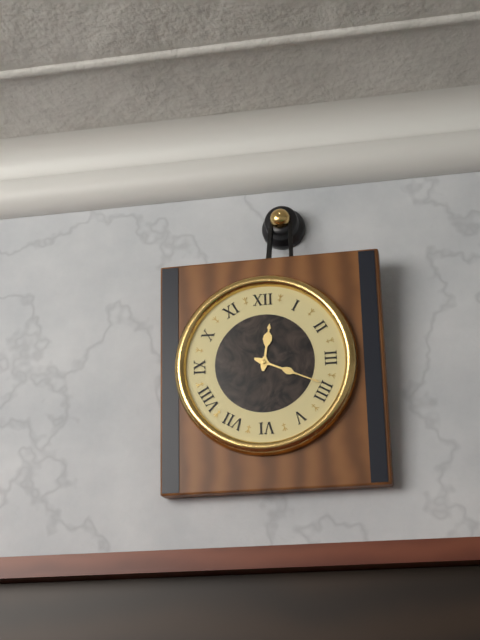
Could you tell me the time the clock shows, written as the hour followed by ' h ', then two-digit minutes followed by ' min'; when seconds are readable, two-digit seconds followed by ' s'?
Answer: 12 h 19 min
